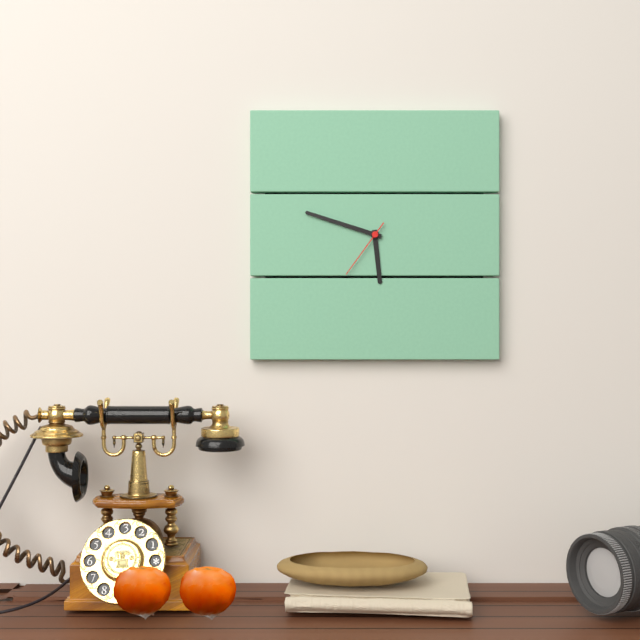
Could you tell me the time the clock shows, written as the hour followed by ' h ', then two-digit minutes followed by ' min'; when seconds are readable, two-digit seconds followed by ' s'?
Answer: 5 h 48 min 36 s
